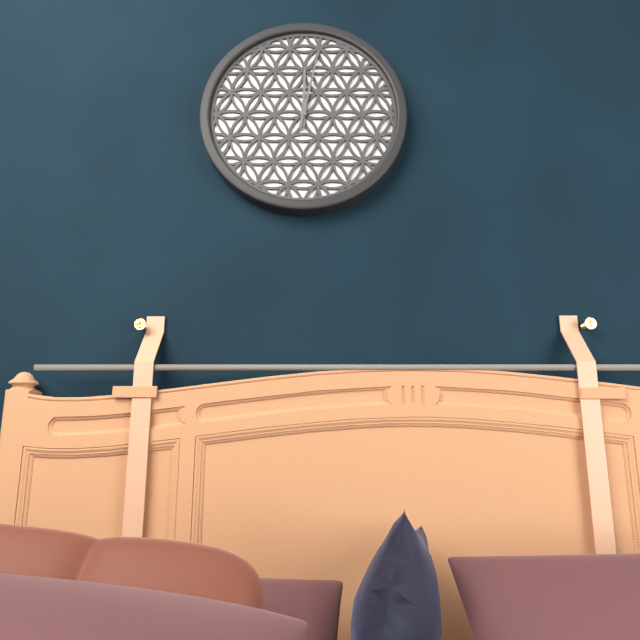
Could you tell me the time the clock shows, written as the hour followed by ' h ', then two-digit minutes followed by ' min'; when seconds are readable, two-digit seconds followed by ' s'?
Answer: 12 h 02 min
